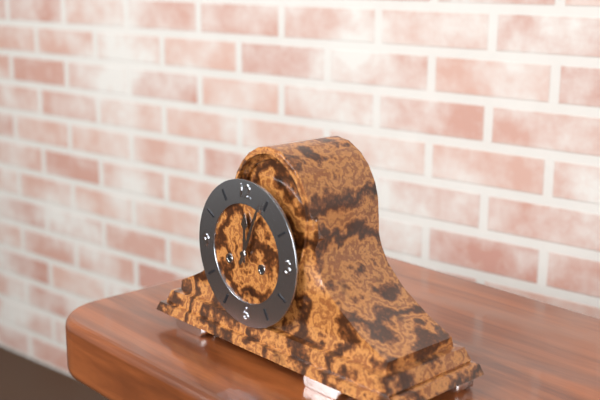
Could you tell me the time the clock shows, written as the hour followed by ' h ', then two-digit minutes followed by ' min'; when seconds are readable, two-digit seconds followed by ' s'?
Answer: 12 h 04 min
